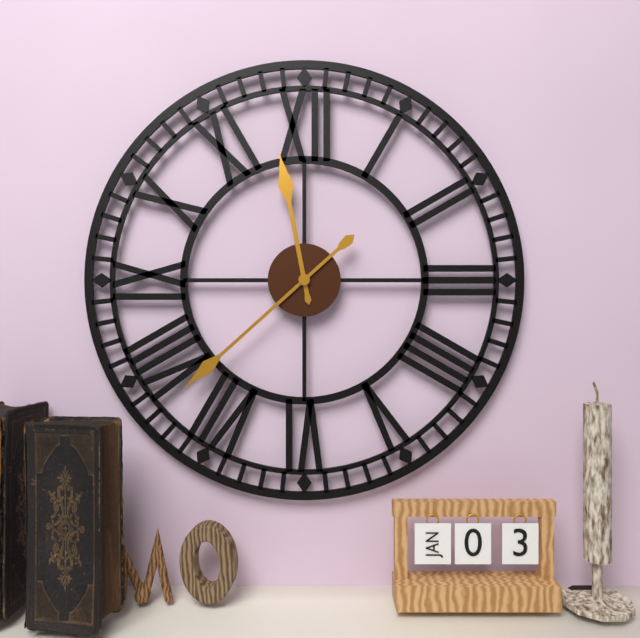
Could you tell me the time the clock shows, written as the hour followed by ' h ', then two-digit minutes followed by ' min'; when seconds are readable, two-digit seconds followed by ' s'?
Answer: 11 h 38 min
